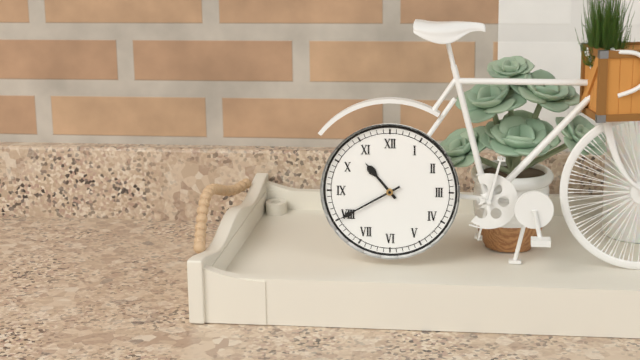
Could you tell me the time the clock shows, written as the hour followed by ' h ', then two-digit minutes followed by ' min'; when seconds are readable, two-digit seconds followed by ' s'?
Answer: 10 h 40 min
